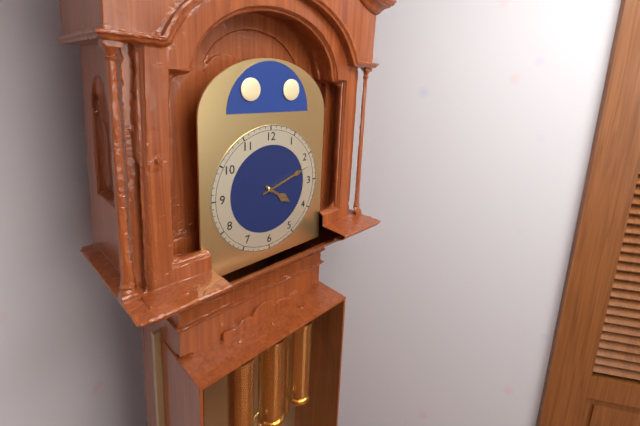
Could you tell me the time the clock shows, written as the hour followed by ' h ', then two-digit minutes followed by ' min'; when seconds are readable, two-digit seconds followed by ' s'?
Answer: 4 h 12 min
